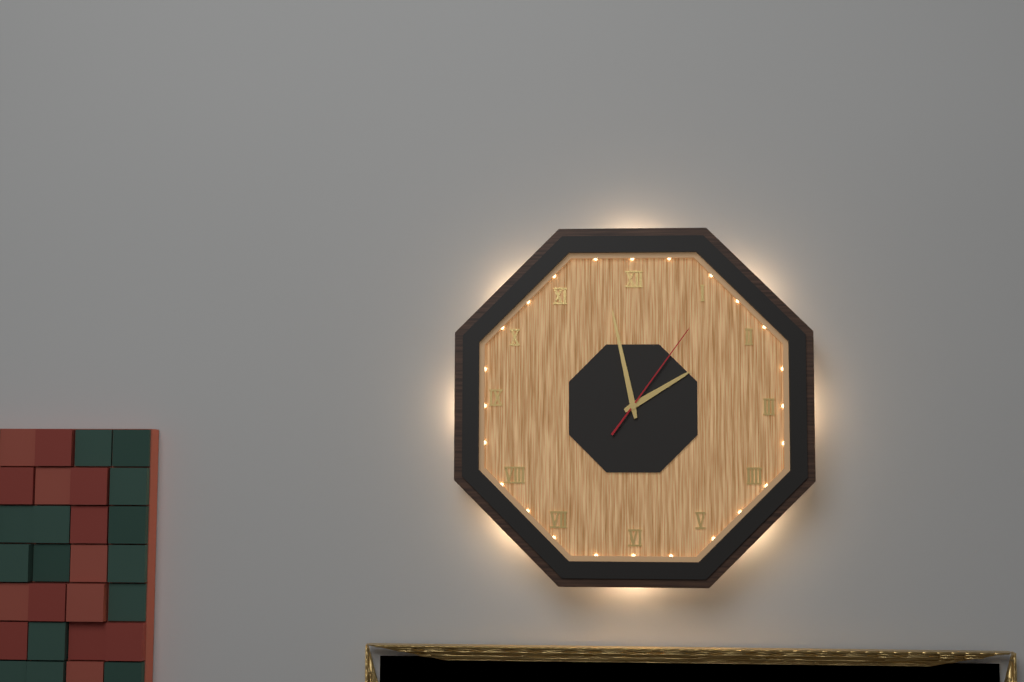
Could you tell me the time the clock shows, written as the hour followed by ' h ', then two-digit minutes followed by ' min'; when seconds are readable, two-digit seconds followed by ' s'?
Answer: 1 h 58 min 06 s
